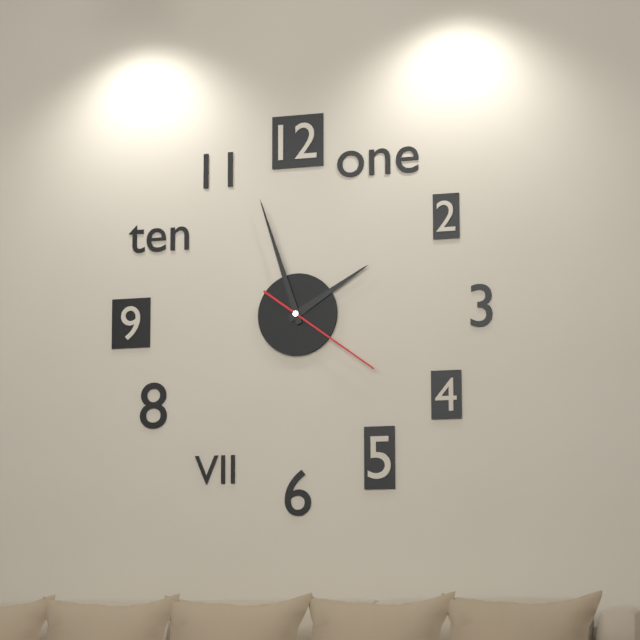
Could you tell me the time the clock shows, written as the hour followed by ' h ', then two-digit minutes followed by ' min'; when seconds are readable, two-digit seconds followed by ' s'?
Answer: 1 h 57 min 21 s
